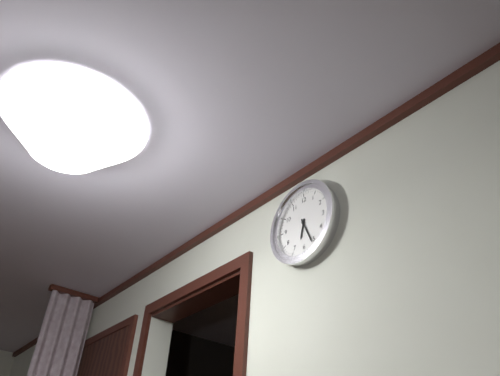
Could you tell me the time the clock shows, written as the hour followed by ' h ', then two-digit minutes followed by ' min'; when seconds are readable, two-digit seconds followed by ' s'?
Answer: 6 h 26 min
